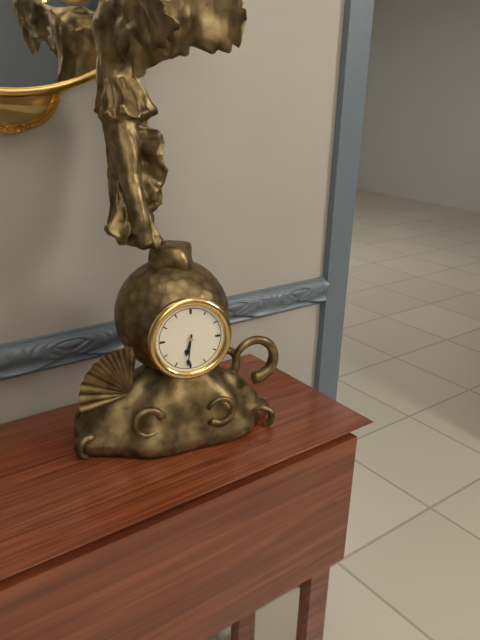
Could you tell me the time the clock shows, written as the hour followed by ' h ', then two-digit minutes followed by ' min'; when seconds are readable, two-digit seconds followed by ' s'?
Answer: 6 h 31 min
